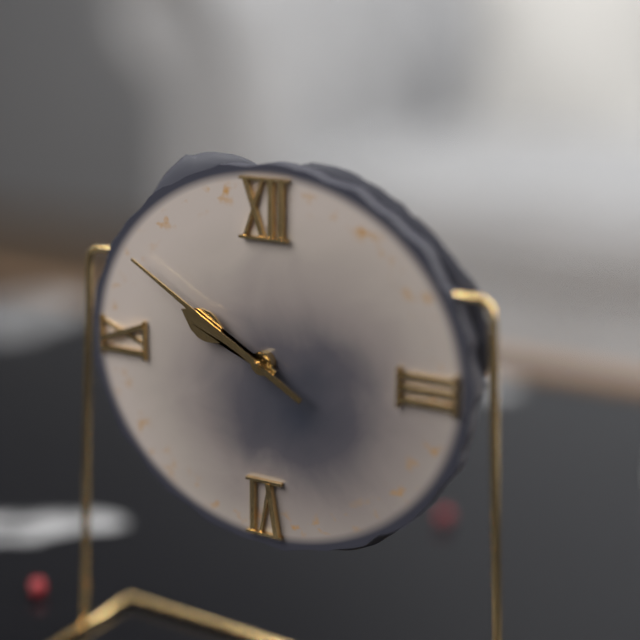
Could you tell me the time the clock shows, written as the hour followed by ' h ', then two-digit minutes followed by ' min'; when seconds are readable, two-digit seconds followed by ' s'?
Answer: 9 h 50 min
